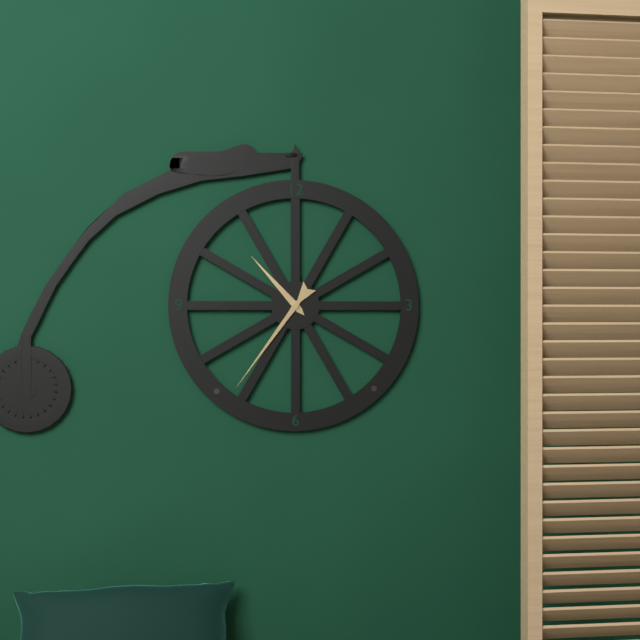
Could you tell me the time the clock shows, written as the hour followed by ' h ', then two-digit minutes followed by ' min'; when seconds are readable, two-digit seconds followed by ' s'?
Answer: 10 h 36 min
